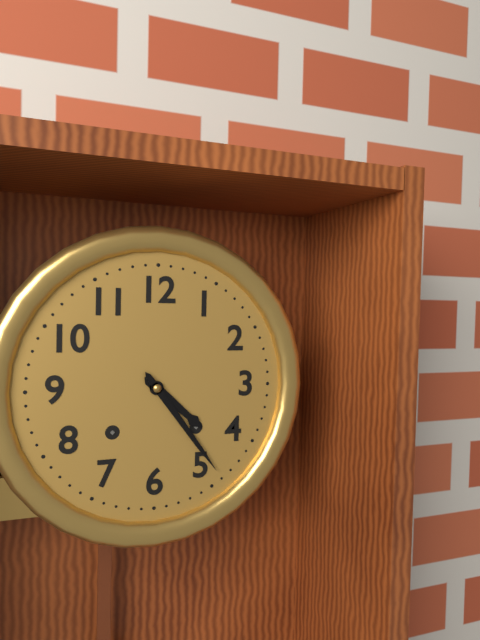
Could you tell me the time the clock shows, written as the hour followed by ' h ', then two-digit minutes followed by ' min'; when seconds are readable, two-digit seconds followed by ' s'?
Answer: 4 h 24 min
